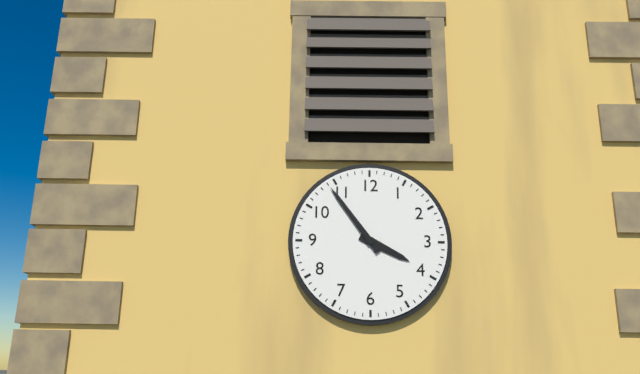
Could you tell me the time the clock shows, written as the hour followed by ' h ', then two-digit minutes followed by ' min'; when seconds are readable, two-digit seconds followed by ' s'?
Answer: 3 h 54 min
